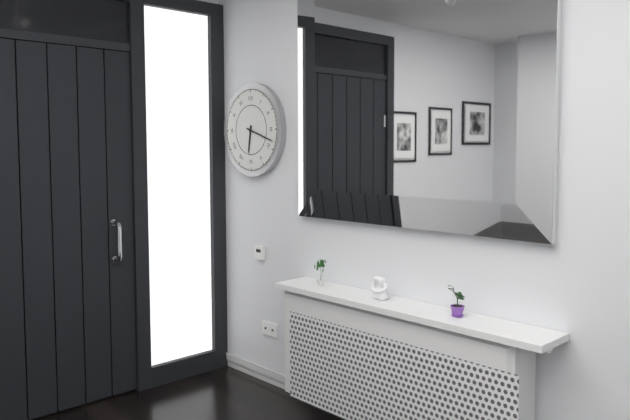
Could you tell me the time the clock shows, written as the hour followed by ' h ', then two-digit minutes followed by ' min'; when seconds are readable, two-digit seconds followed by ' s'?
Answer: 6 h 18 min
